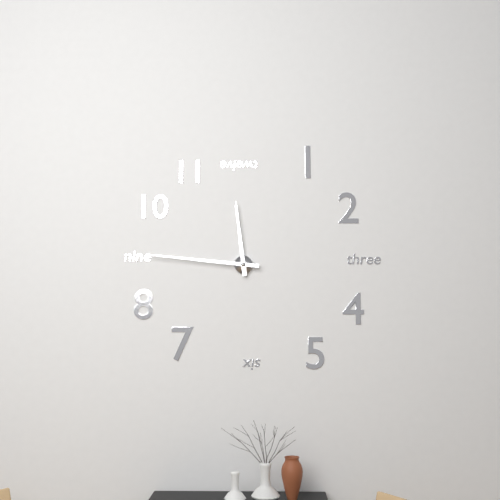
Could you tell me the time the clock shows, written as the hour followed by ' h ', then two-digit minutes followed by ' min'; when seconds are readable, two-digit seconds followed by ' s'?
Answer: 11 h 46 min
